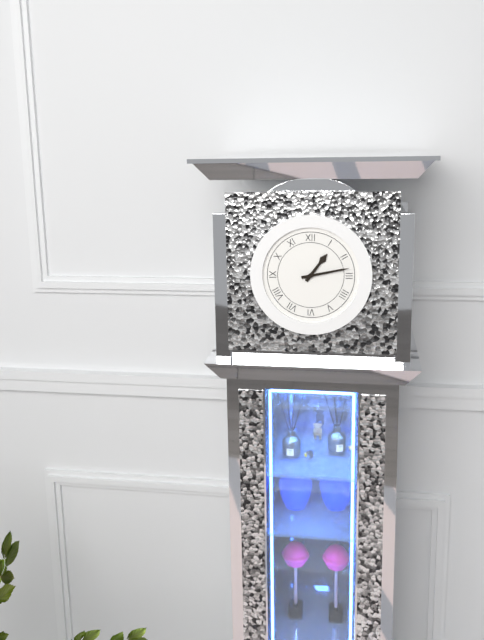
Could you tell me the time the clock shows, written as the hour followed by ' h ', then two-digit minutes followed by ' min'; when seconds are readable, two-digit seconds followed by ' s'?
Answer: 1 h 13 min
